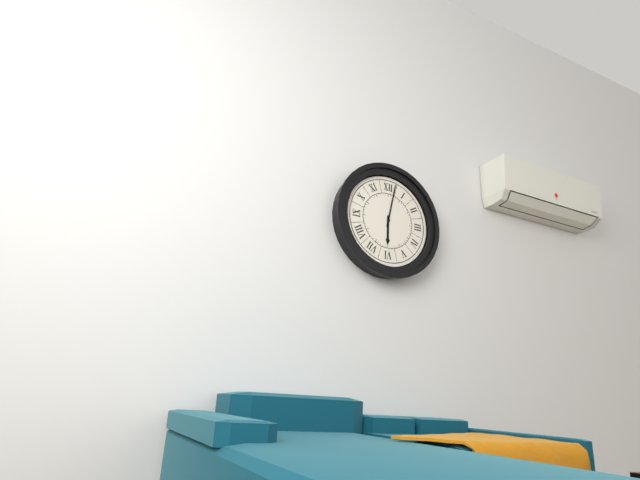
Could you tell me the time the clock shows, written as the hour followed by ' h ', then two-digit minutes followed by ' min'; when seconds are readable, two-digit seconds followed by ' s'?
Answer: 6 h 02 min
